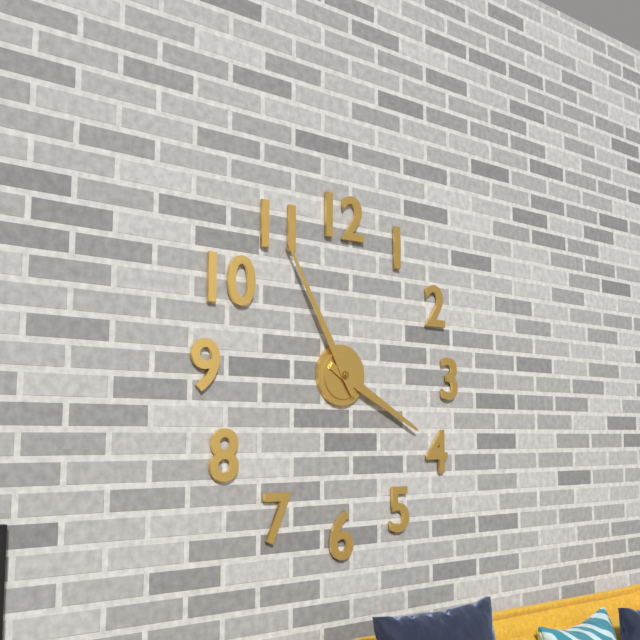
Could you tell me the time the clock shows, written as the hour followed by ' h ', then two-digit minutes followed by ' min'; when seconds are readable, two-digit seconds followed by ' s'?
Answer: 3 h 55 min
